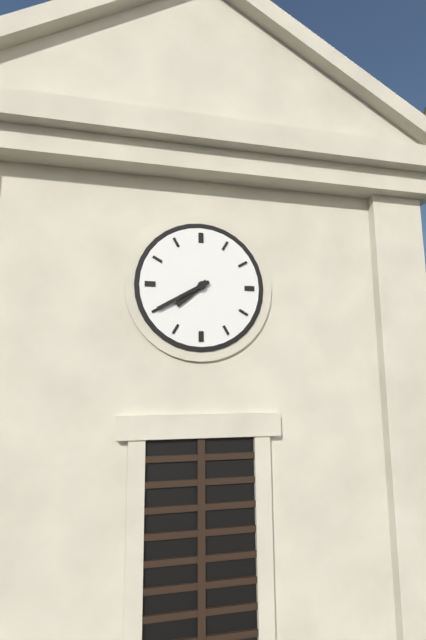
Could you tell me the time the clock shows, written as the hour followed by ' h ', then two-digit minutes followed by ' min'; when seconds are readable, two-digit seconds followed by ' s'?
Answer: 7 h 40 min
